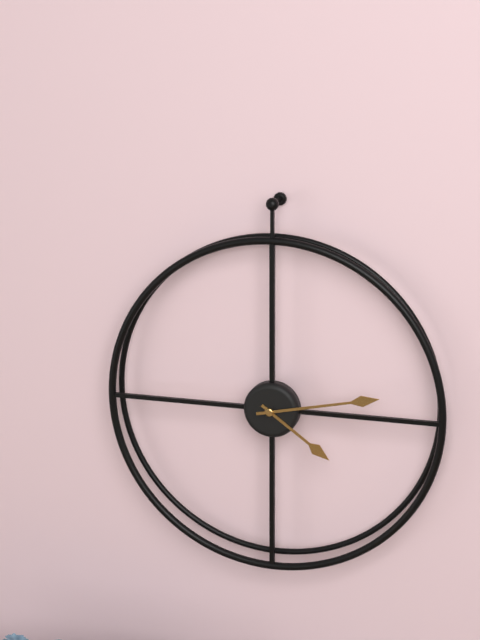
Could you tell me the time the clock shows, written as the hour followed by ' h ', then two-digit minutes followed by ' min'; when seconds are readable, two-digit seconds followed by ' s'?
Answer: 4 h 13 min
